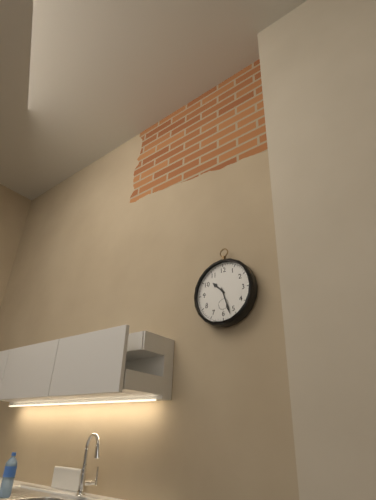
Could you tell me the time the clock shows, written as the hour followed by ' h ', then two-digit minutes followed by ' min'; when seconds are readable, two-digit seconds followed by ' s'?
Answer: 10 h 27 min
